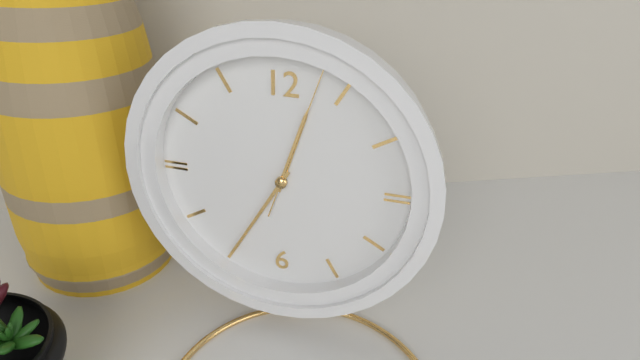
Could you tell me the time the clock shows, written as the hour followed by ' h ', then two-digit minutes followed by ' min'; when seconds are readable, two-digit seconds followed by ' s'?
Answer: 12 h 35 min 03 s
